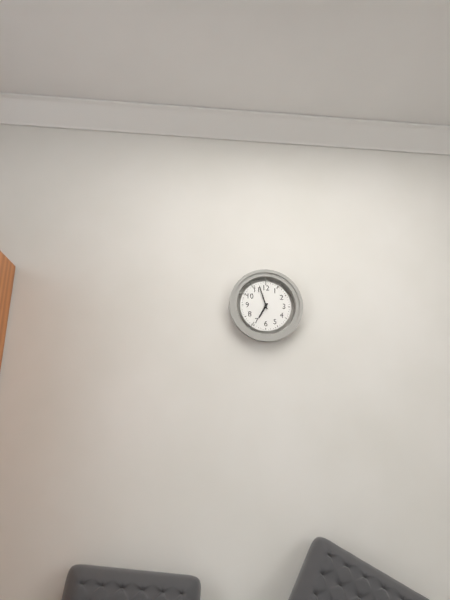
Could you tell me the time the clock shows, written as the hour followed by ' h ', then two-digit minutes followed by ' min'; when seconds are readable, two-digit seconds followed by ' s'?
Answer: 6 h 57 min
